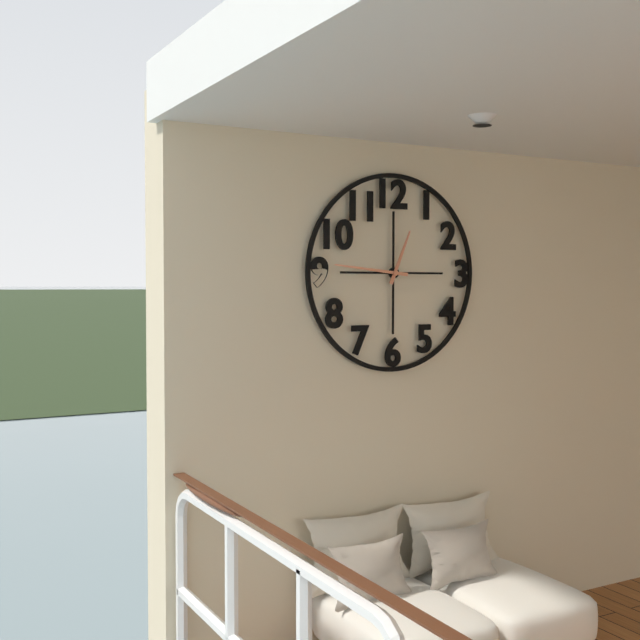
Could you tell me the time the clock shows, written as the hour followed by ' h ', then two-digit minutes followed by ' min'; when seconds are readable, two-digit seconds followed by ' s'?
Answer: 12 h 46 min
